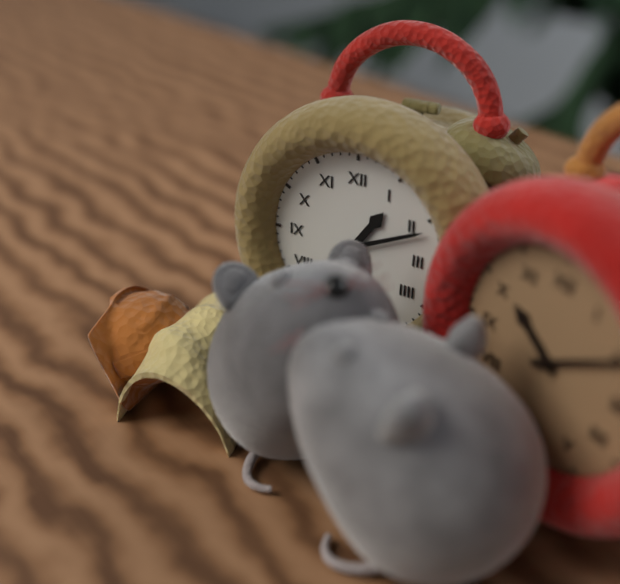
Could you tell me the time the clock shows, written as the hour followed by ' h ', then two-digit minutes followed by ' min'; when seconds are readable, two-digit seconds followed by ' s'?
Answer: 1 h 11 min
